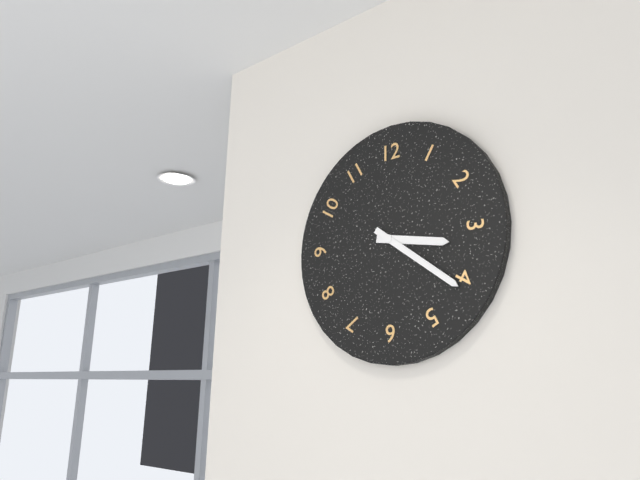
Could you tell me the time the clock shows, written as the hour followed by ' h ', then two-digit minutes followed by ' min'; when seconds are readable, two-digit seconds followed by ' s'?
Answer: 3 h 21 min
